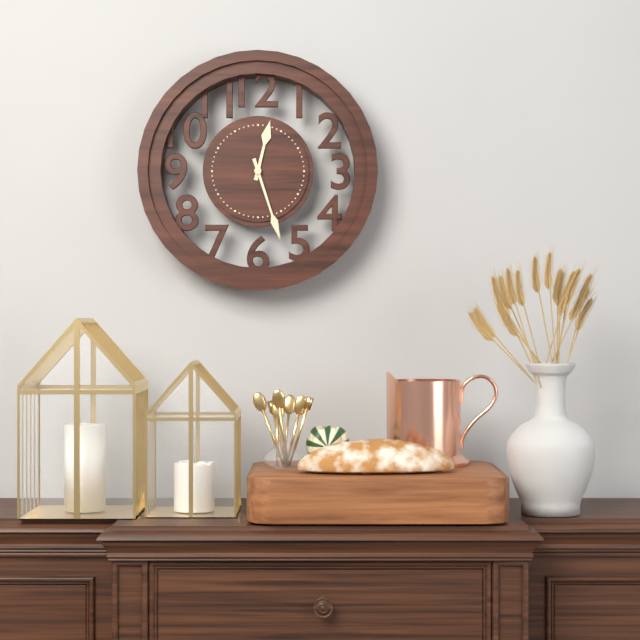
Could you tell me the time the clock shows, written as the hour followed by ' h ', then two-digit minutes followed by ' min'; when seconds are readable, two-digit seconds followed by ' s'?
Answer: 12 h 27 min
